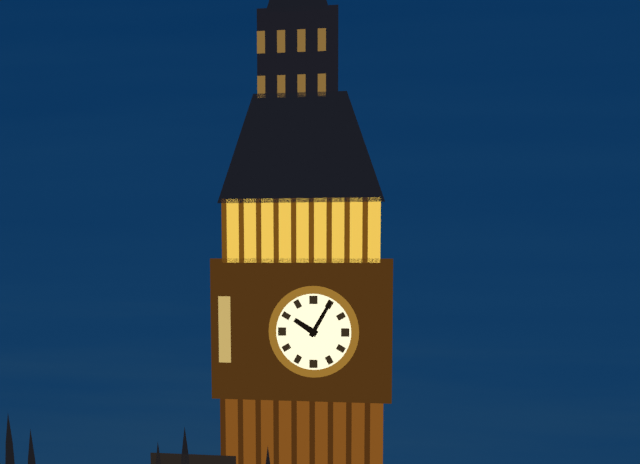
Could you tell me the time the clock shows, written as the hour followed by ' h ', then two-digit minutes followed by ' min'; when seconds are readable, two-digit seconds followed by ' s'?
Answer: 10 h 05 min
